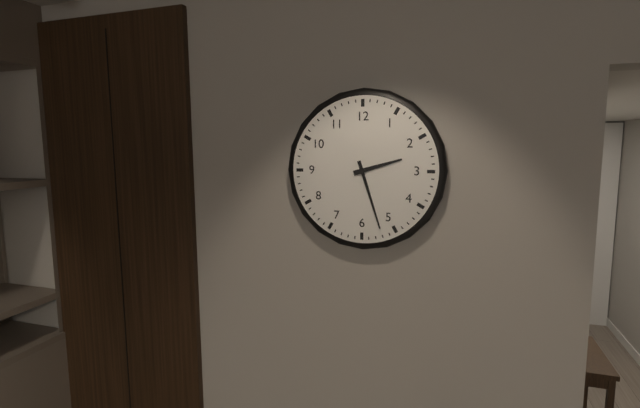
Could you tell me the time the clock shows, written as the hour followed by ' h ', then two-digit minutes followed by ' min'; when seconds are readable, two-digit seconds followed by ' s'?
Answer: 2 h 27 min
